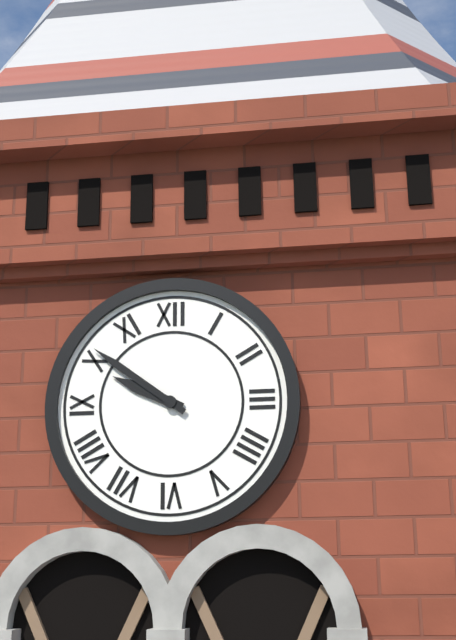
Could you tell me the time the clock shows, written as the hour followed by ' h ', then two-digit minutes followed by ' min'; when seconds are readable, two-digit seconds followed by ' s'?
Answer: 9 h 51 min
